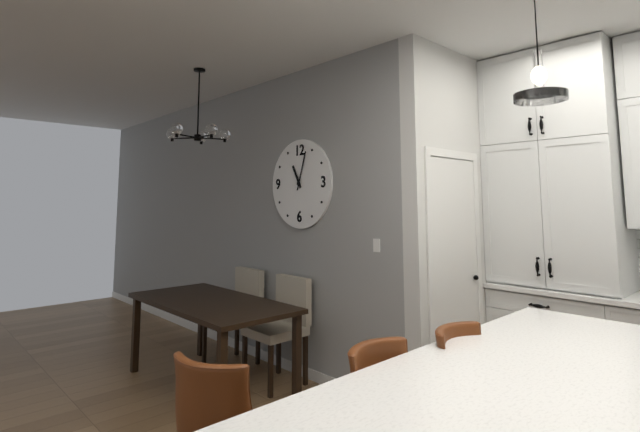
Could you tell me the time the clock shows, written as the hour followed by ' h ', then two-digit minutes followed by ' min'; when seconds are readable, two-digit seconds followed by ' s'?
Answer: 11 h 03 min
